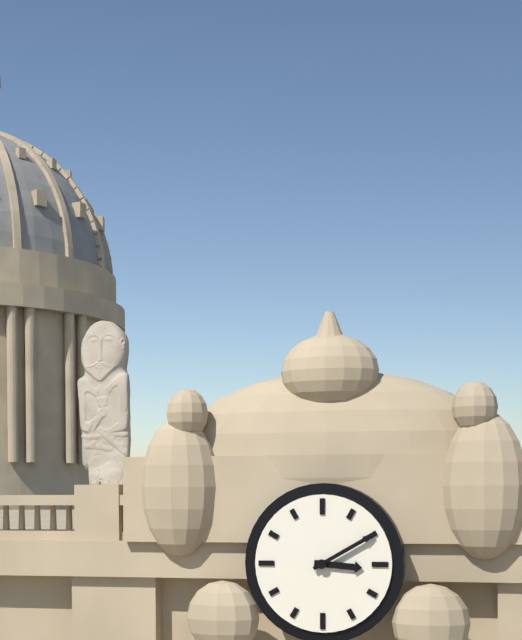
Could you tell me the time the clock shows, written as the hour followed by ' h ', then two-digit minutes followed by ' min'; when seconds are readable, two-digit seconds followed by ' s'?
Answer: 3 h 10 min
